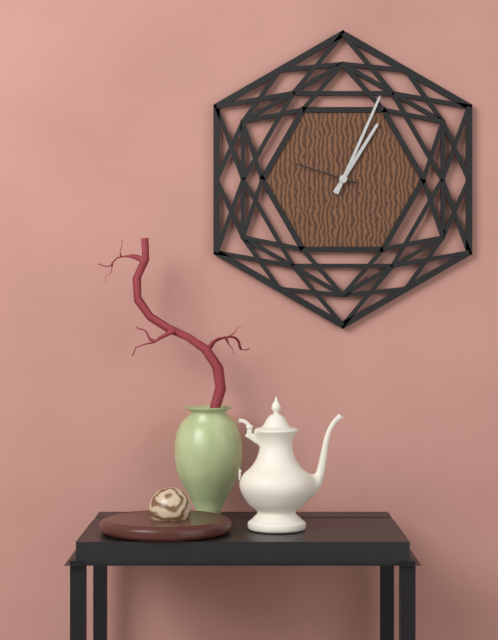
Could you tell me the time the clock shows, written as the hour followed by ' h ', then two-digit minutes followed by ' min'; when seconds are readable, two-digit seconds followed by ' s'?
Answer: 1 h 04 min 48 s
